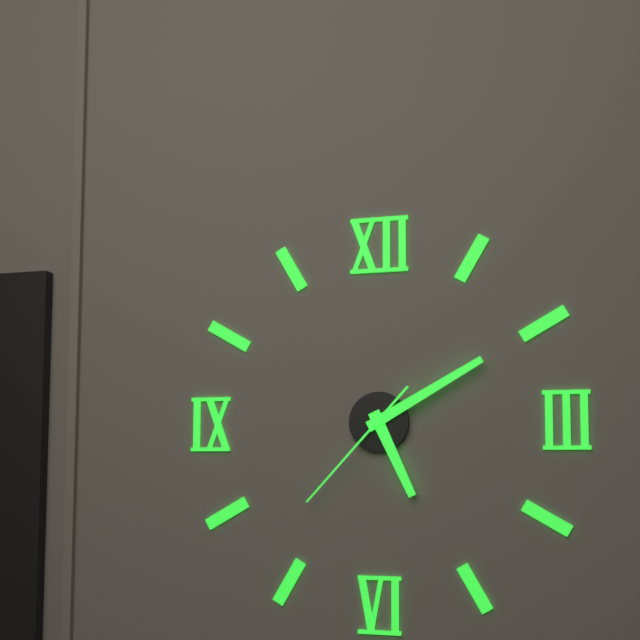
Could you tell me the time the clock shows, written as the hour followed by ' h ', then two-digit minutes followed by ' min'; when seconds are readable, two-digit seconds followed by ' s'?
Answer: 5 h 10 min 37 s
